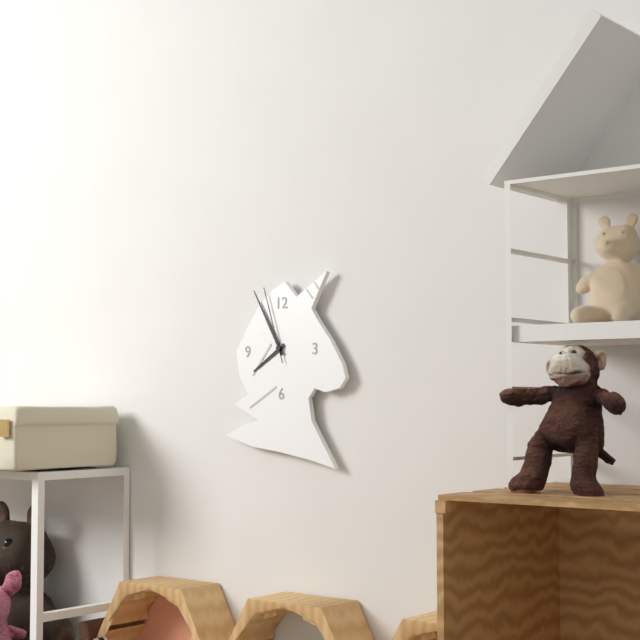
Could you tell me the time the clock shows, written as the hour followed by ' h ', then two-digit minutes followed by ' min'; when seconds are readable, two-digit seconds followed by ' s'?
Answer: 7 h 55 min 57 s
